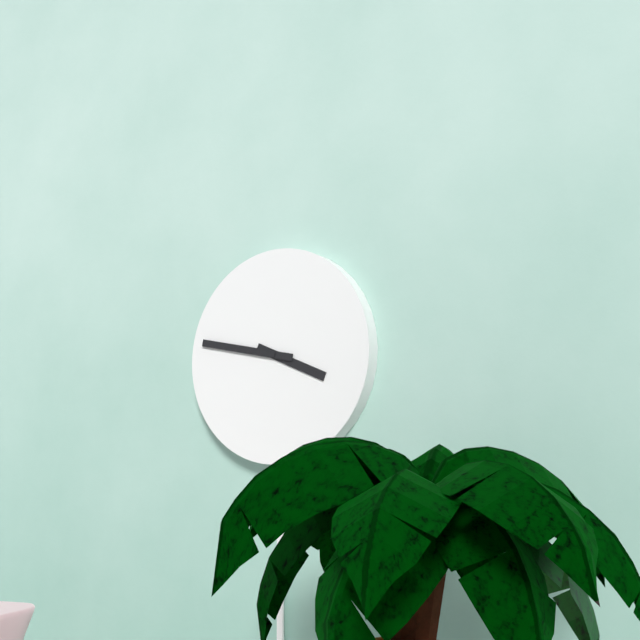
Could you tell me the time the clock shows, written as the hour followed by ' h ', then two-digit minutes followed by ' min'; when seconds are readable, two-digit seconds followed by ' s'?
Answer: 3 h 47 min
